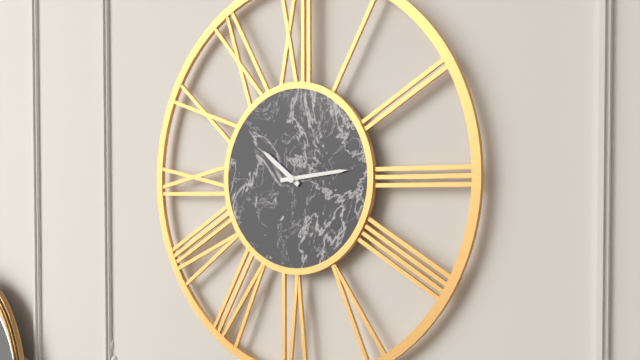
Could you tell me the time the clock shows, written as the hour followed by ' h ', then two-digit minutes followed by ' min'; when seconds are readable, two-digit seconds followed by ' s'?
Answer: 10 h 14 min
